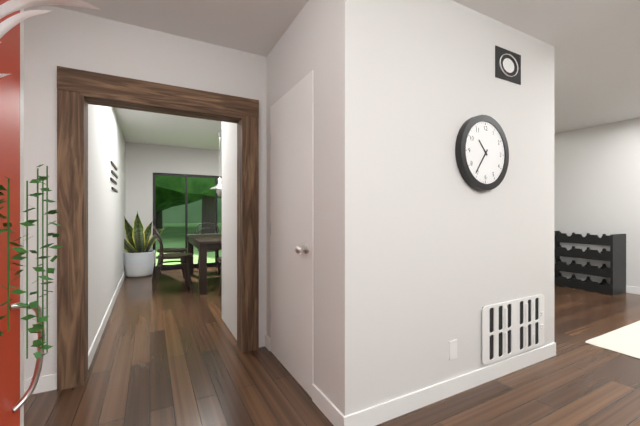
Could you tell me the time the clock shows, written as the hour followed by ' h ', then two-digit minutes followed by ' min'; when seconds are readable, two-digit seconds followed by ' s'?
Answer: 10 h 36 min
